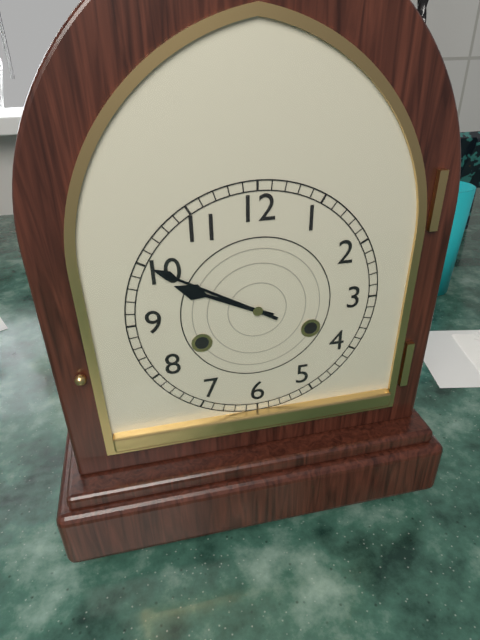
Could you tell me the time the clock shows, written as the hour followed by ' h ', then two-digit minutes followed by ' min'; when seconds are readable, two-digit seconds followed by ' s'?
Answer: 9 h 50 min
